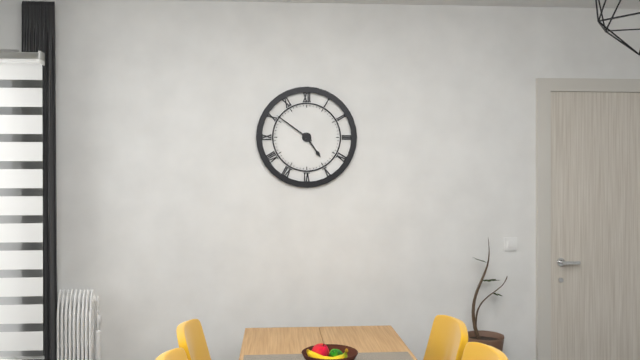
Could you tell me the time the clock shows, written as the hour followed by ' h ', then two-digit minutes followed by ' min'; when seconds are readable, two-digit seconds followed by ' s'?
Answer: 4 h 51 min
